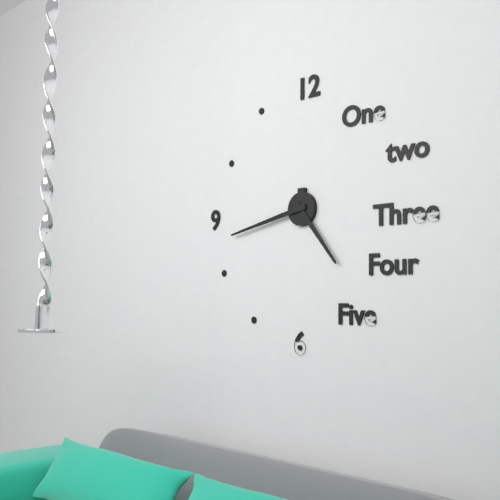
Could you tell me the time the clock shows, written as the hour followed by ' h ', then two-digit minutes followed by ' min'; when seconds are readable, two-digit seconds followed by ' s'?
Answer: 4 h 43 min
